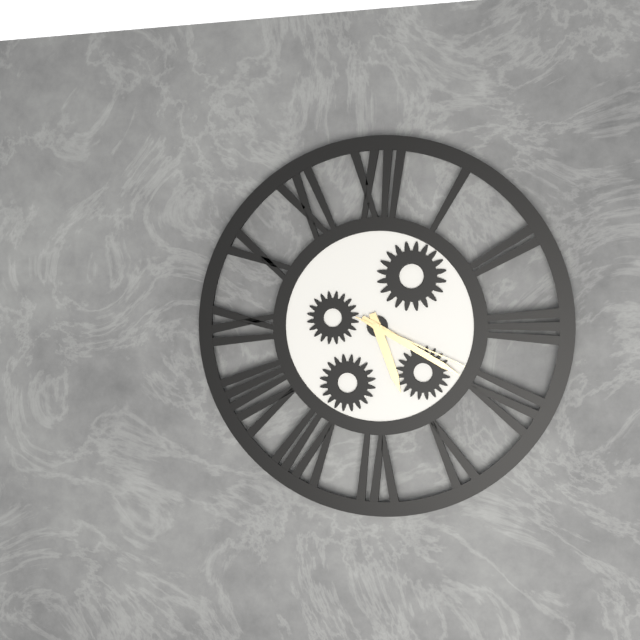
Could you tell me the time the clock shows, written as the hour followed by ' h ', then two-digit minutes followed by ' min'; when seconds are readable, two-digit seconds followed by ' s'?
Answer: 5 h 20 min 19 s
